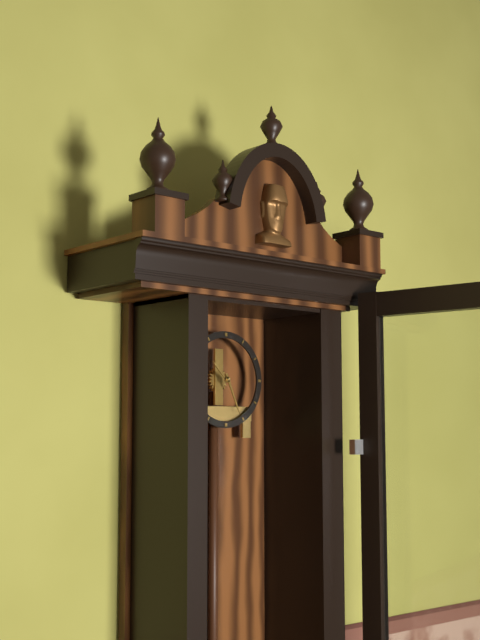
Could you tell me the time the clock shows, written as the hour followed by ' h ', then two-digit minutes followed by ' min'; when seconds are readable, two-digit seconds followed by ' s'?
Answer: 10 h 26 min
